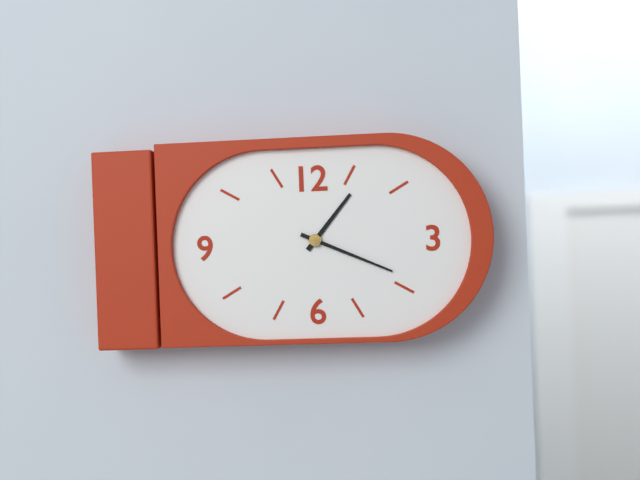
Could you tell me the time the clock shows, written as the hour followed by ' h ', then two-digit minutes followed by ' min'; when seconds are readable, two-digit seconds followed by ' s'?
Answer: 1 h 19 min
